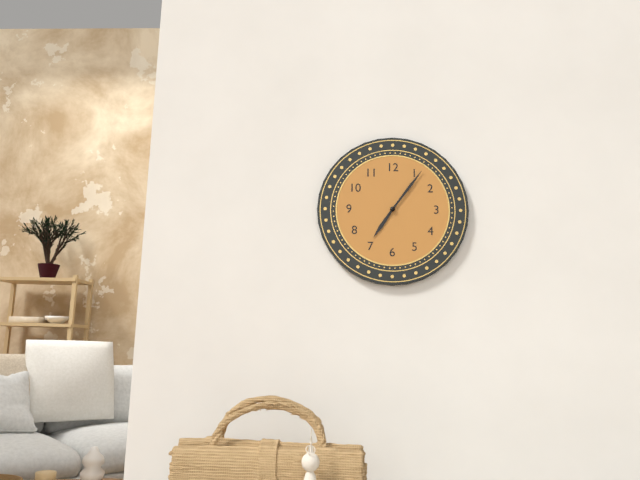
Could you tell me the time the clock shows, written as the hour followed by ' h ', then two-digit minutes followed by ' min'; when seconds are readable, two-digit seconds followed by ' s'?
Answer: 7 h 06 min
